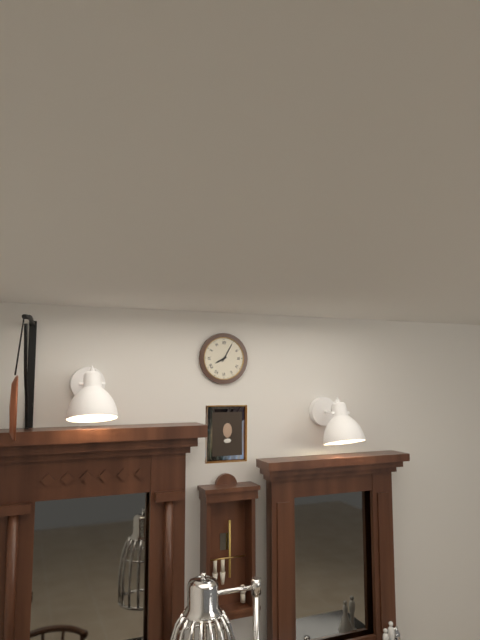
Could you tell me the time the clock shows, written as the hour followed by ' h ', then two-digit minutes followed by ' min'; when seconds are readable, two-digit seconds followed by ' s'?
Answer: 8 h 05 min
